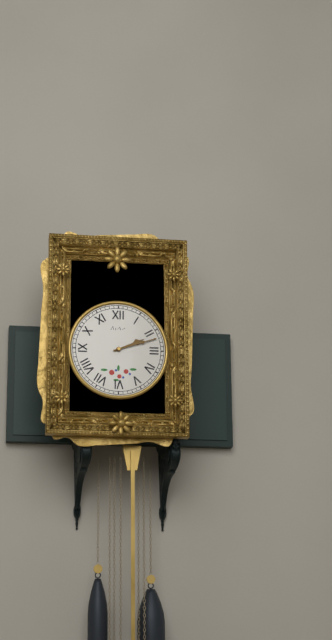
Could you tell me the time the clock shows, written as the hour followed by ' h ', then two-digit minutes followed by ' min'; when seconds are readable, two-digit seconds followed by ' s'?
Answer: 2 h 12 min
